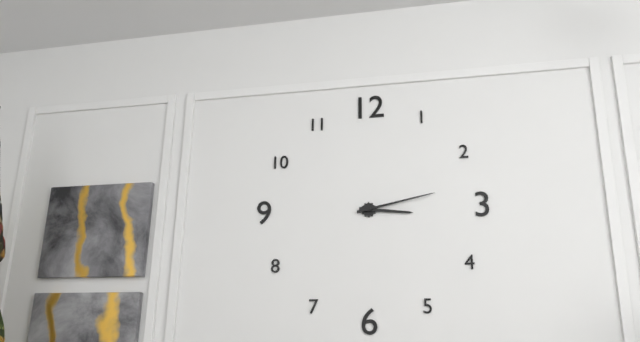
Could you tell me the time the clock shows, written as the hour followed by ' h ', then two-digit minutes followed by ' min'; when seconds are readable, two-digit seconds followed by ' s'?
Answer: 3 h 13 min
